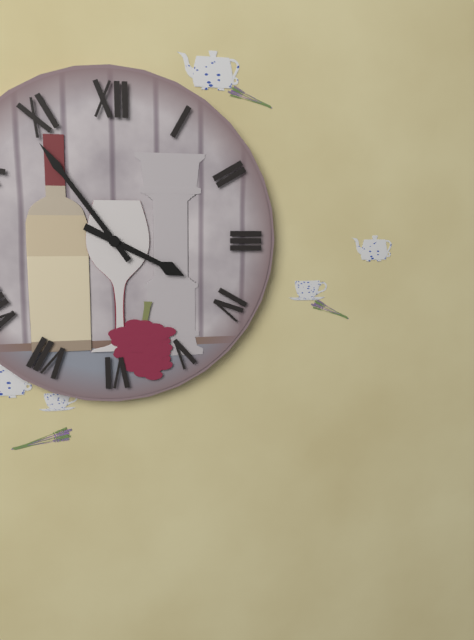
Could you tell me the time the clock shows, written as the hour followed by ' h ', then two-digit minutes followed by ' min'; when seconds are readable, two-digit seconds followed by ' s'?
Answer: 3 h 54 min
